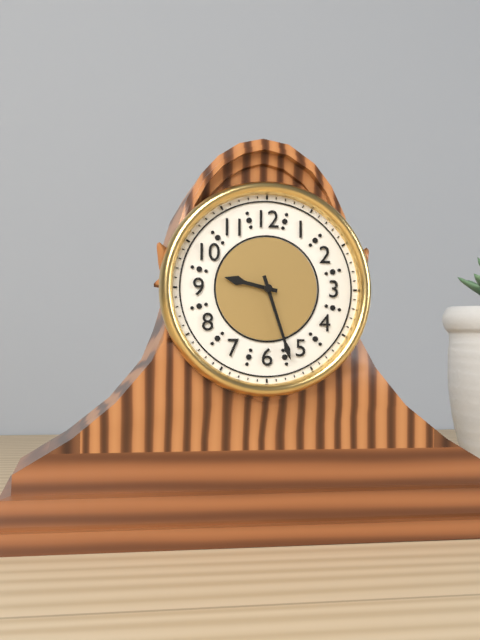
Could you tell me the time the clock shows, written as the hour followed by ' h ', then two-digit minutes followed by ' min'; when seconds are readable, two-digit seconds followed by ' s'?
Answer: 9 h 27 min
